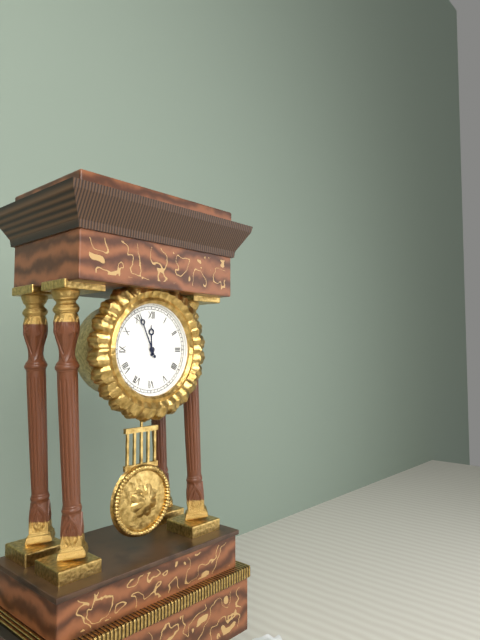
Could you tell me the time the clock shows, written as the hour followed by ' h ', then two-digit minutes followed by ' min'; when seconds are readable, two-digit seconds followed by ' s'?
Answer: 11 h 56 min
